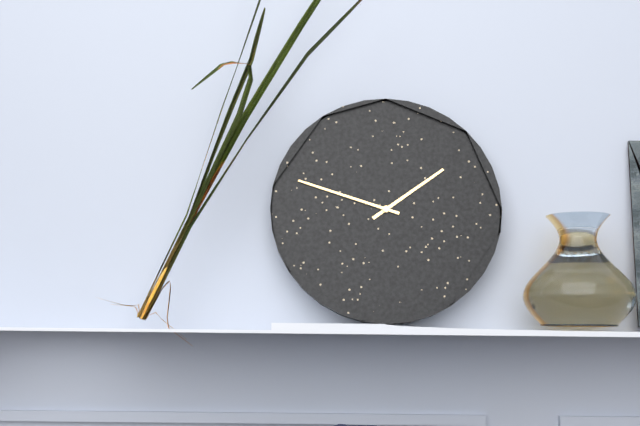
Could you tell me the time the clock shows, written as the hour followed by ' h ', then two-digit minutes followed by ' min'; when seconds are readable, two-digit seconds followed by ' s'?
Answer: 1 h 48 min
